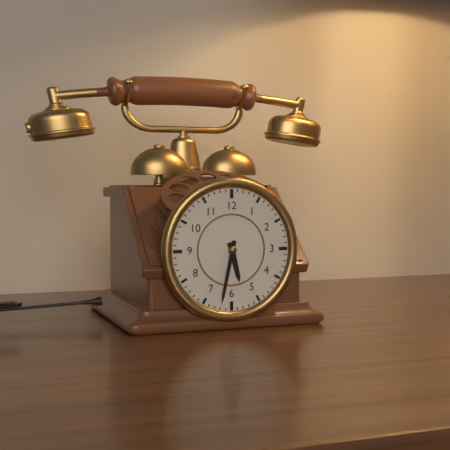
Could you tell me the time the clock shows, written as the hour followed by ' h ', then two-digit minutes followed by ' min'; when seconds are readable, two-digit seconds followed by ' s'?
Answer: 5 h 32 min
